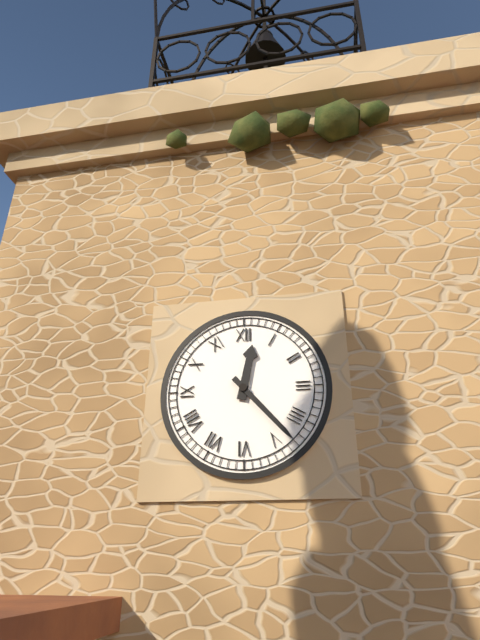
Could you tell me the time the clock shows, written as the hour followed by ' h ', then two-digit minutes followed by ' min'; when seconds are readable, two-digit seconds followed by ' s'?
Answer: 12 h 23 min
